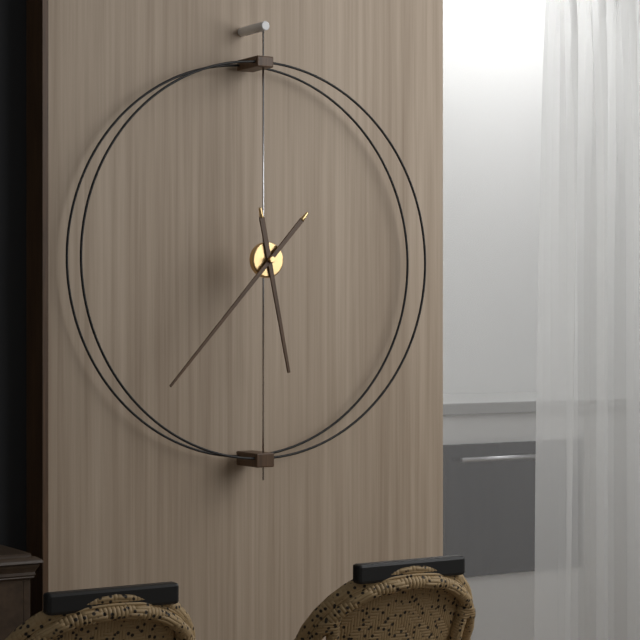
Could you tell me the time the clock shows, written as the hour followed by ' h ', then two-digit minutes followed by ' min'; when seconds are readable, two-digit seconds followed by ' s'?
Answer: 5 h 37 min
